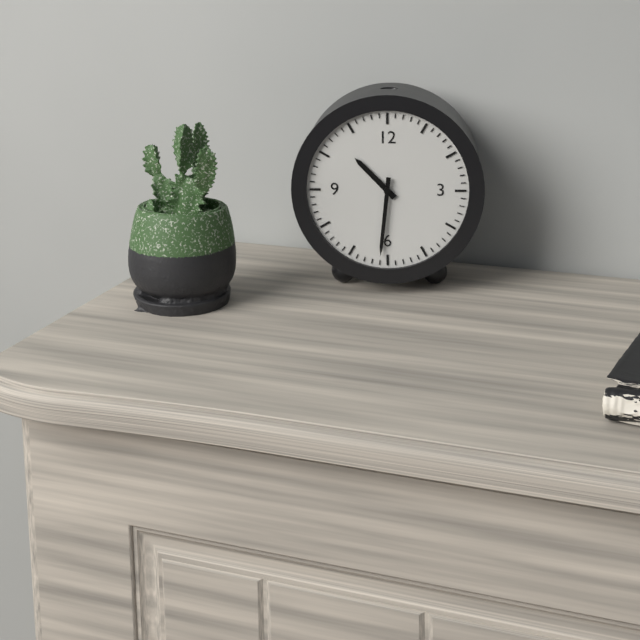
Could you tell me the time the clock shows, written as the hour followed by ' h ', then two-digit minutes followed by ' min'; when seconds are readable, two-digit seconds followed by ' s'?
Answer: 10 h 31 min
